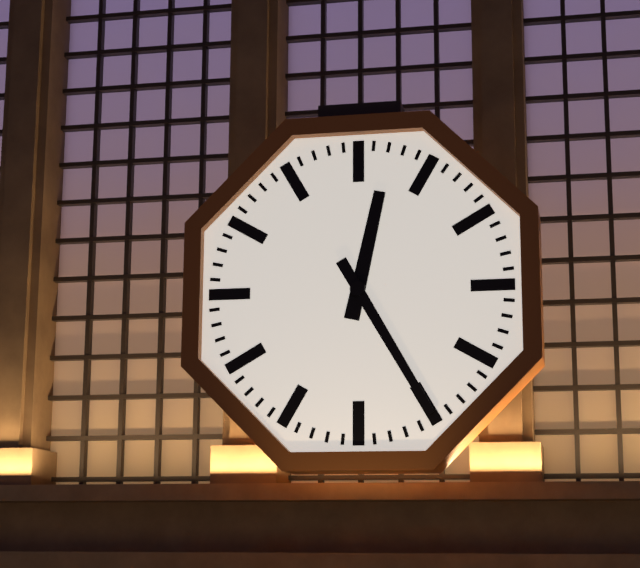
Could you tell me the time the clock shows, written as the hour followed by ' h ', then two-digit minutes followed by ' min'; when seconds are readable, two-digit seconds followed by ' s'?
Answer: 12 h 25 min
